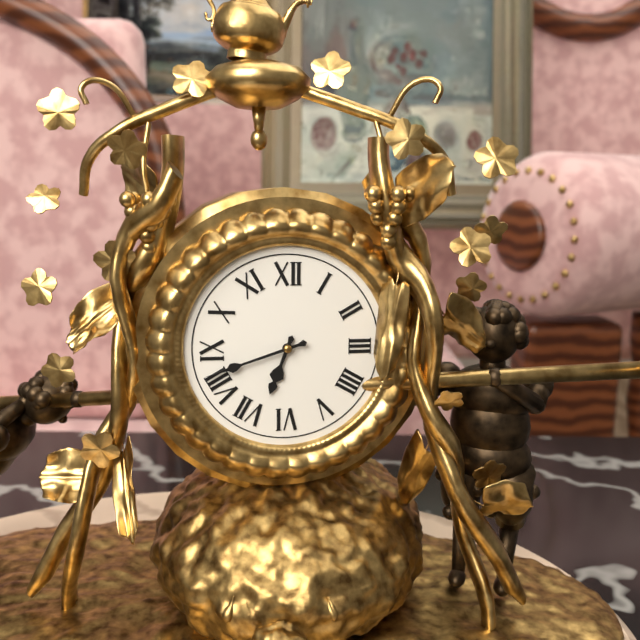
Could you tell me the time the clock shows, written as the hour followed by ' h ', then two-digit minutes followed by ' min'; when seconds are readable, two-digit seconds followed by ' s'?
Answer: 6 h 42 min
